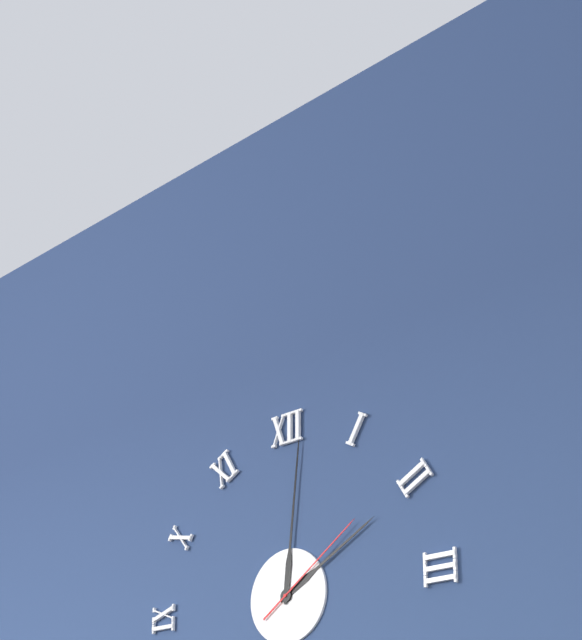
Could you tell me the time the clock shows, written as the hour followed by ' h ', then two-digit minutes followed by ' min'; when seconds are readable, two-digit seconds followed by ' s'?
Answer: 2 h 01 min 09 s
